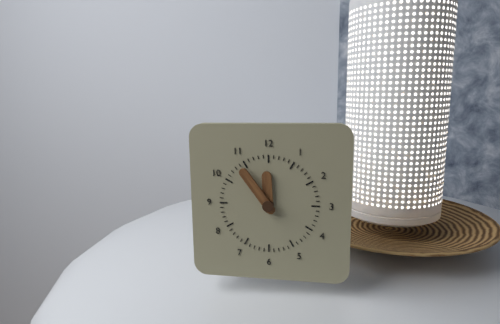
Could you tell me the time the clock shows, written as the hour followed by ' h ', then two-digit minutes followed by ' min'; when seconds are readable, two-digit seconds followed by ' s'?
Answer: 11 h 54 min
